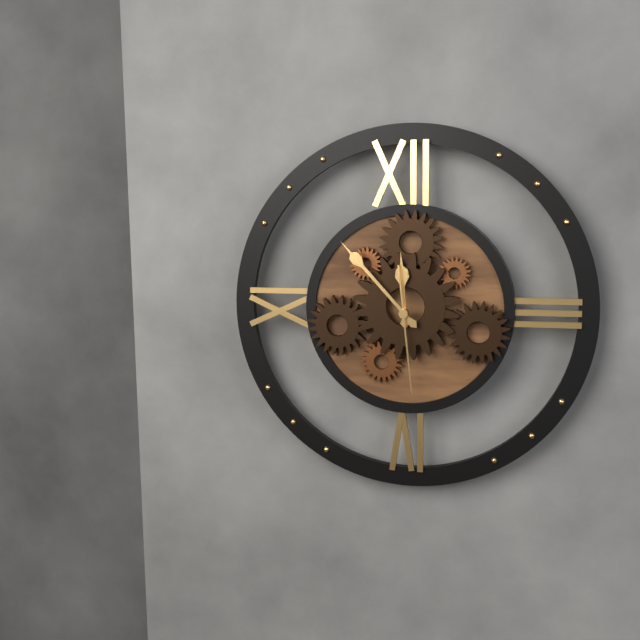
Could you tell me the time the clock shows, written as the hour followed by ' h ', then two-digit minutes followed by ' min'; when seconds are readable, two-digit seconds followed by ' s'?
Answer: 11 h 53 min 29 s
